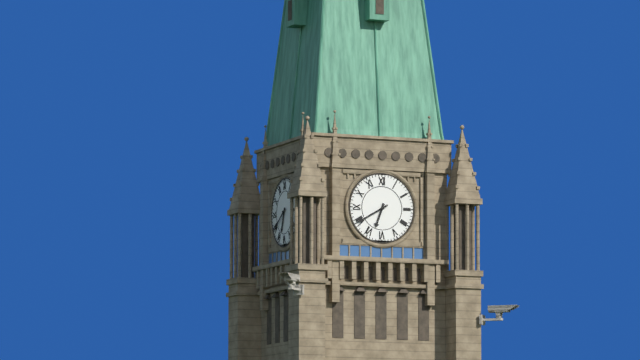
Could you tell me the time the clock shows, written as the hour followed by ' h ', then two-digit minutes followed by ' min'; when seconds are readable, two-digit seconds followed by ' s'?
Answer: 6 h 40 min
